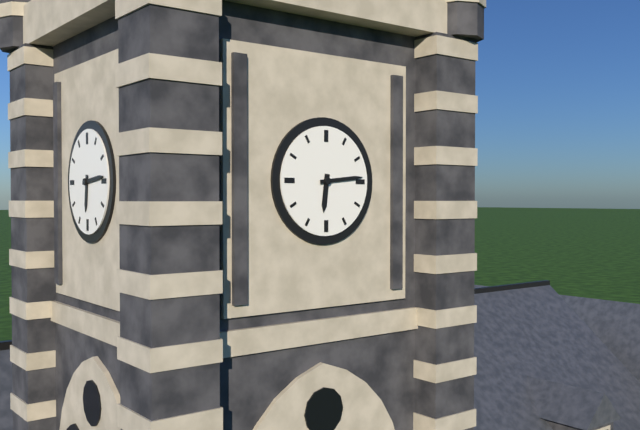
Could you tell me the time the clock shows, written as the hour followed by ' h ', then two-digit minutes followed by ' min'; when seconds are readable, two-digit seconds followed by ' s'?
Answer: 6 h 14 min
